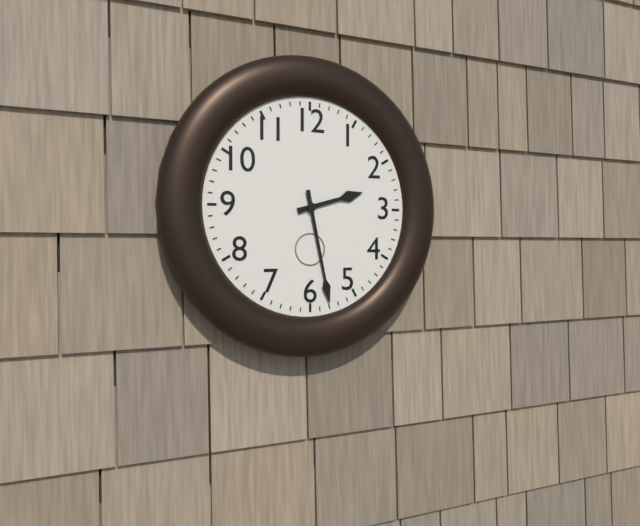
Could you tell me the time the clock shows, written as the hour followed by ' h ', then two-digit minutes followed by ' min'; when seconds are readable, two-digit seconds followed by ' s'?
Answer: 2 h 28 min
